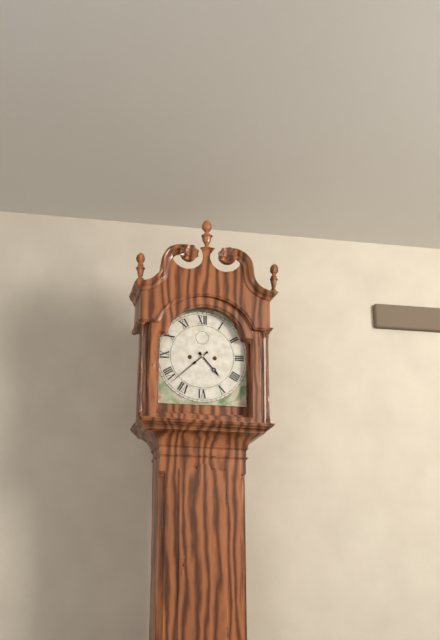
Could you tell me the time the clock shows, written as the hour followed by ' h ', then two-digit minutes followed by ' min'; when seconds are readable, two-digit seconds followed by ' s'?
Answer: 4 h 38 min
